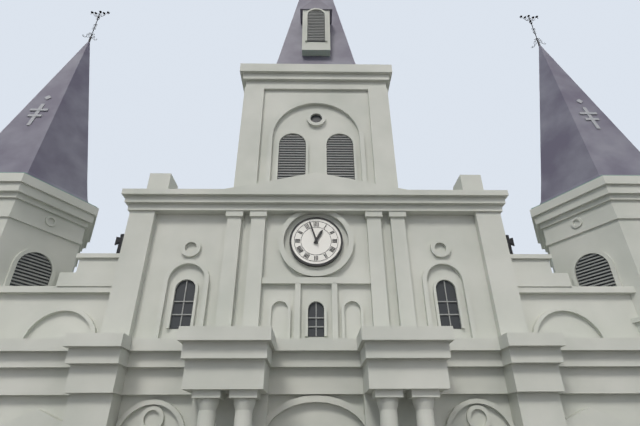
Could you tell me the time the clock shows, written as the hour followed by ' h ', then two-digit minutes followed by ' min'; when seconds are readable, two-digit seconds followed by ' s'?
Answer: 12 h 57 min
